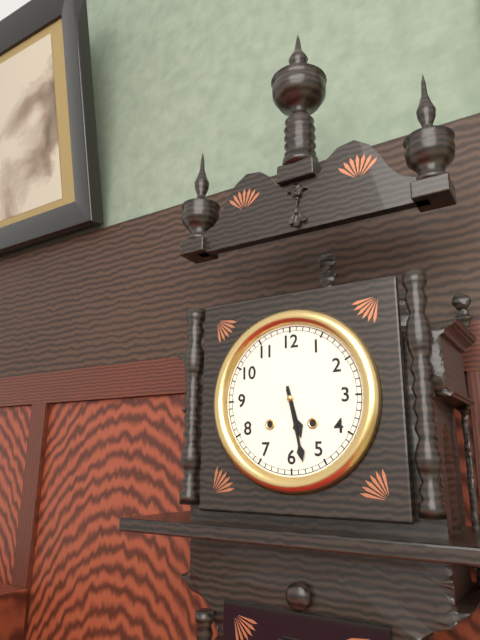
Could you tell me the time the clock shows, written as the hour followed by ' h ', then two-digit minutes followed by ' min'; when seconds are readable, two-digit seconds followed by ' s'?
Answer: 5 h 28 min
